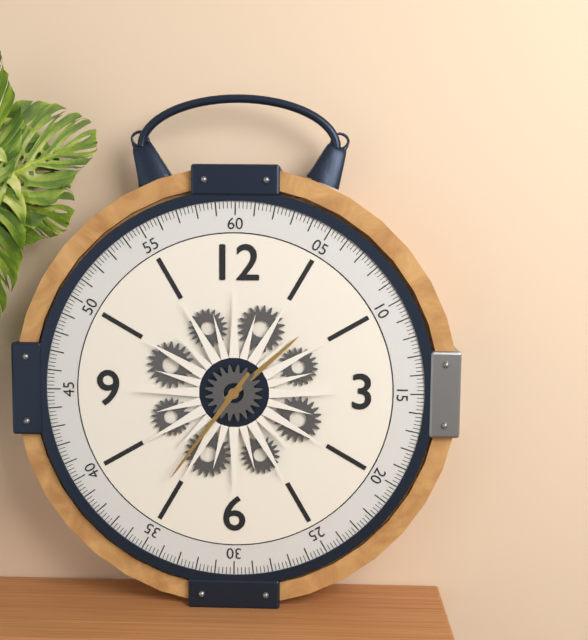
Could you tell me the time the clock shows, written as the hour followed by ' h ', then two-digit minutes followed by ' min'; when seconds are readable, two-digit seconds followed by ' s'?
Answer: 1 h 36 min
